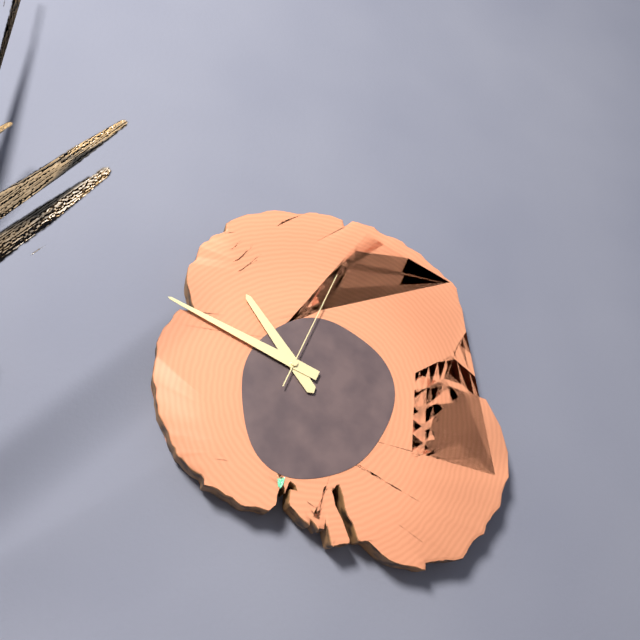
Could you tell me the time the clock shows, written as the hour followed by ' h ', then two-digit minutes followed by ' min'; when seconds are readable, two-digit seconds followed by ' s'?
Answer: 10 h 49 min 04 s
